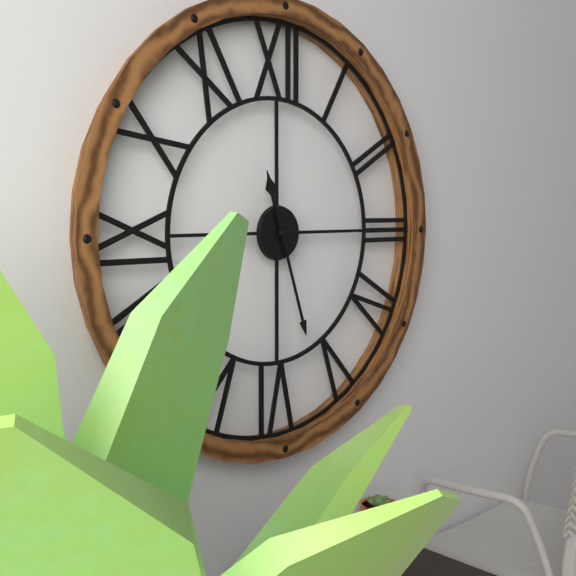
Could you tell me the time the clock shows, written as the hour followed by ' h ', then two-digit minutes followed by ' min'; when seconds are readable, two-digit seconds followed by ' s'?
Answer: 11 h 27 min
